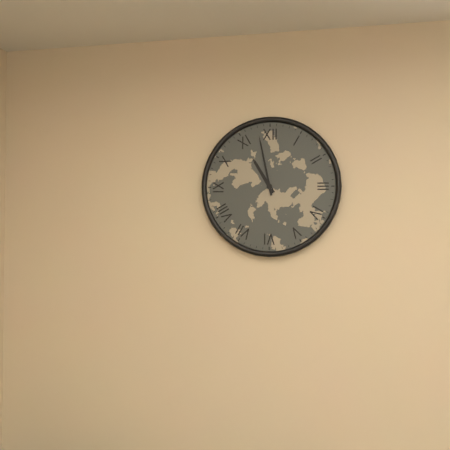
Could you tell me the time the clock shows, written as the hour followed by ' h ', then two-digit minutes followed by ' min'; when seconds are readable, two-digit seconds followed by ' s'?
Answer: 10 h 58 min
